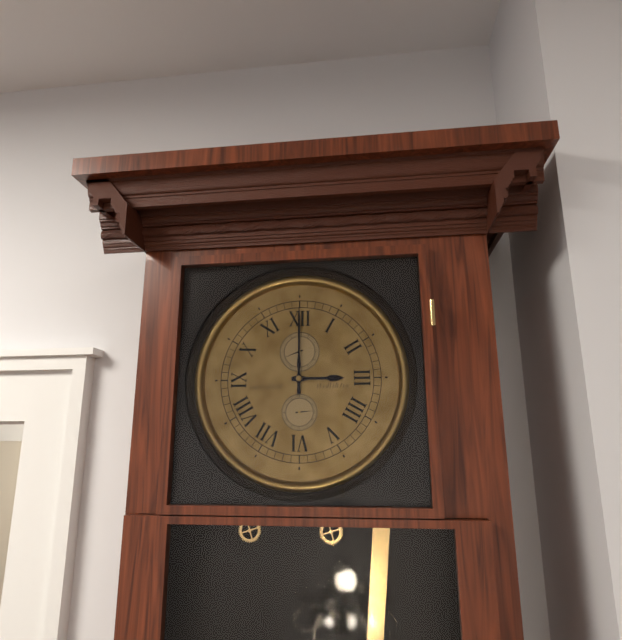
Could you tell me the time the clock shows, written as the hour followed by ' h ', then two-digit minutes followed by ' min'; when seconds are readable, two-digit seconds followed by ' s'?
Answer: 3 h 00 min
